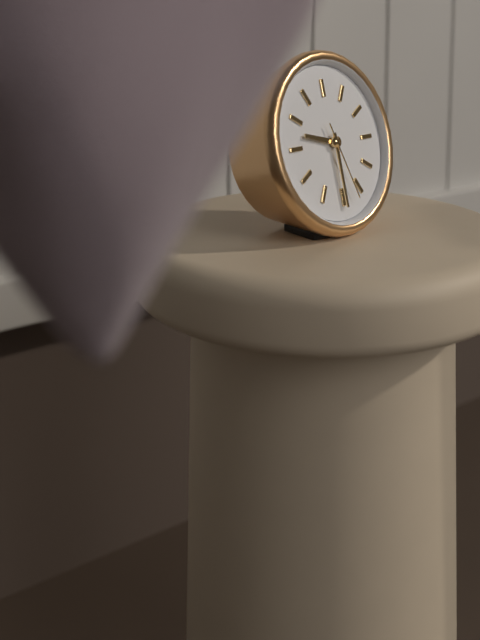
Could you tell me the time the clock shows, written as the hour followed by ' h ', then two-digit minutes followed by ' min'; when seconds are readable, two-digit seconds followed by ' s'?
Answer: 9 h 30 min 27 s
